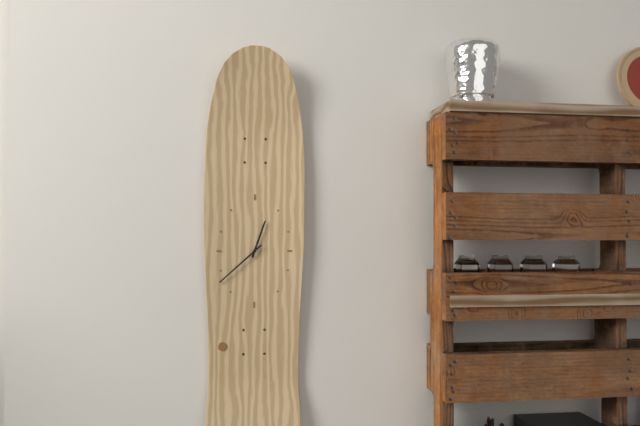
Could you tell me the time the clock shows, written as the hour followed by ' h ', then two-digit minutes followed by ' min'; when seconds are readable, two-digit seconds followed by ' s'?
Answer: 12 h 38 min
